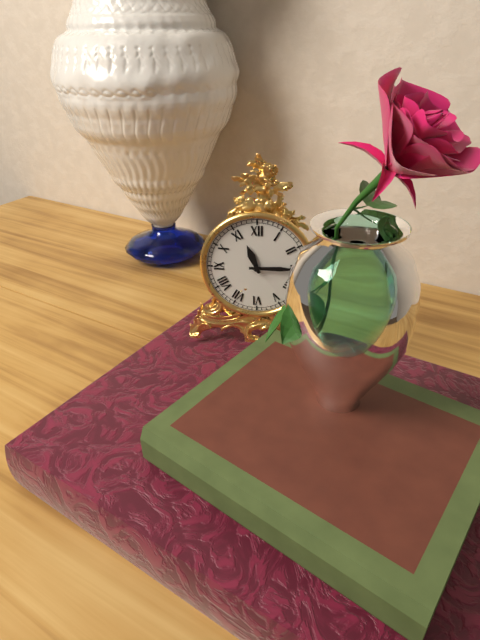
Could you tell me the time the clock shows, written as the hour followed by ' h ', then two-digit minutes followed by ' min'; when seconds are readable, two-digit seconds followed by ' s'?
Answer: 11 h 15 min
